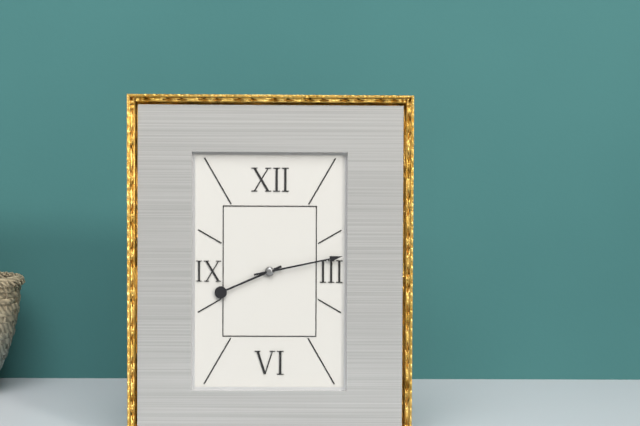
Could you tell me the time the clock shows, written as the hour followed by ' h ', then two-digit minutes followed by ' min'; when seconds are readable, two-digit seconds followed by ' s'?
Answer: 8 h 13 min
